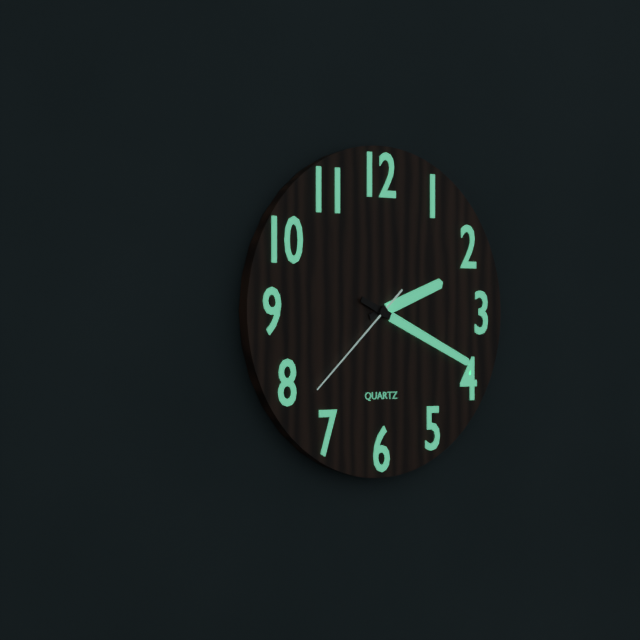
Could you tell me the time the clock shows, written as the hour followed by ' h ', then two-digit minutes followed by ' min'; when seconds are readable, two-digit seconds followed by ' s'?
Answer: 2 h 19 min 38 s
